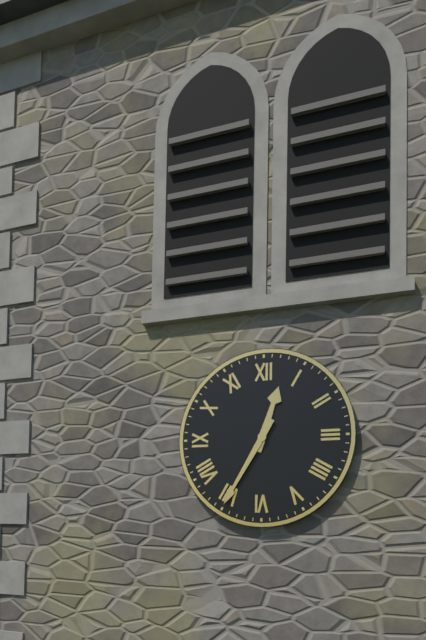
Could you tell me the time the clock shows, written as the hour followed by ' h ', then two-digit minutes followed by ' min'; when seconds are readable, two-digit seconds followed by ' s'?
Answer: 12 h 35 min
